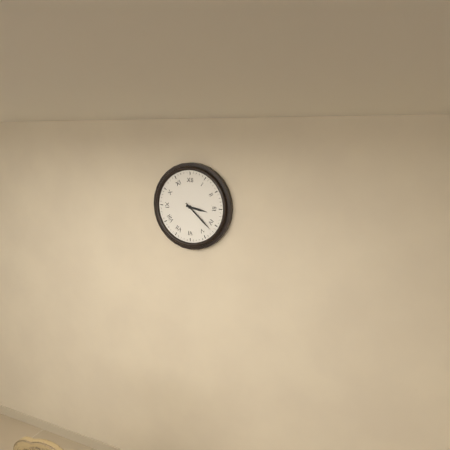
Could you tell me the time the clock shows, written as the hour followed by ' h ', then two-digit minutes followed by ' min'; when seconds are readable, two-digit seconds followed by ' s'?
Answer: 3 h 22 min
